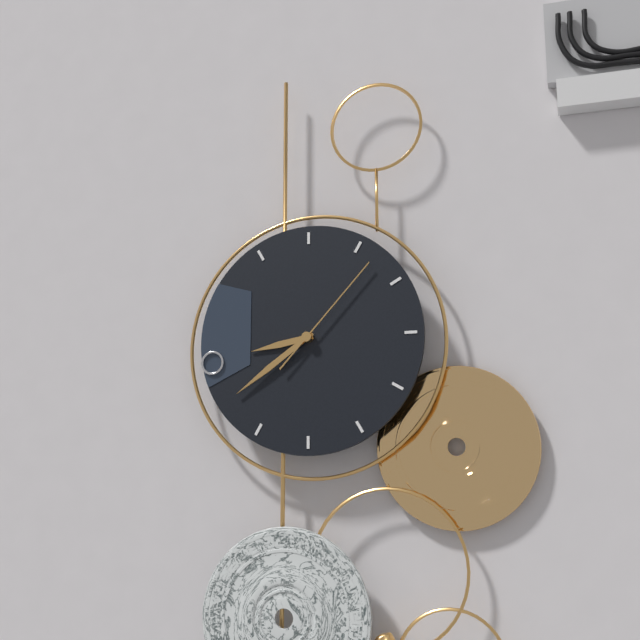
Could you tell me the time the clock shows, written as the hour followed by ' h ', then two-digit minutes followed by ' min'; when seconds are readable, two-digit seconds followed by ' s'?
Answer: 8 h 39 min 07 s
